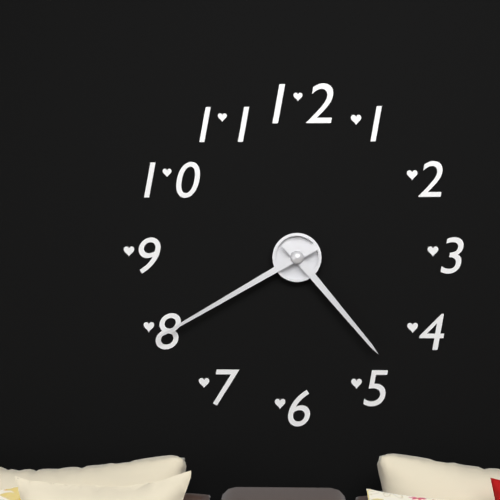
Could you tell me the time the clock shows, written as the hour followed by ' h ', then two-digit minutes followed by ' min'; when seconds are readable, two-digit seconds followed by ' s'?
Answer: 4 h 40 min
